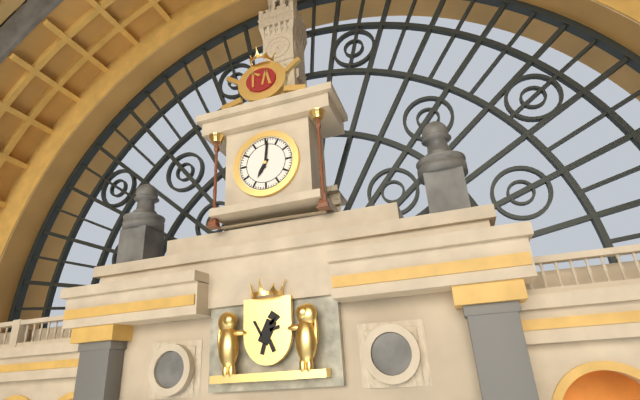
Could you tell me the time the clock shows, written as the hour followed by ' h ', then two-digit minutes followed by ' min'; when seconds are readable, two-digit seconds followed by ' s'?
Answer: 7 h 01 min
